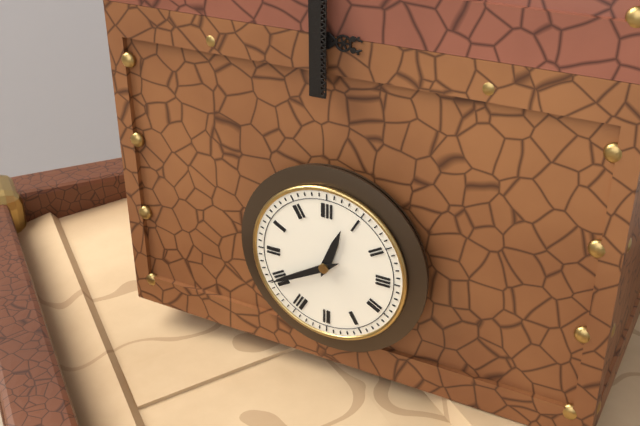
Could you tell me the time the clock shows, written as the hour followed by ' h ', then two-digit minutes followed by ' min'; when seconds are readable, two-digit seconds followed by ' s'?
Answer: 12 h 40 min
